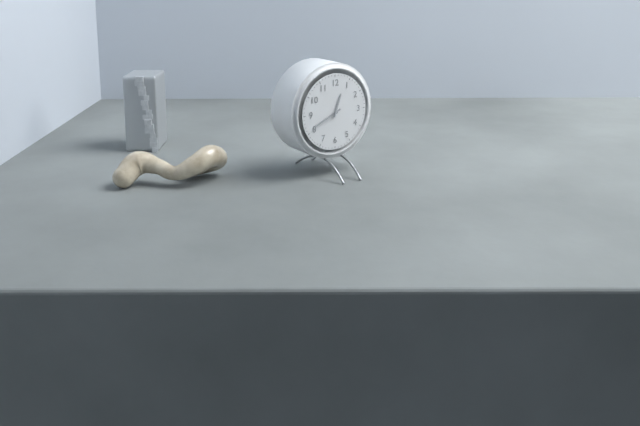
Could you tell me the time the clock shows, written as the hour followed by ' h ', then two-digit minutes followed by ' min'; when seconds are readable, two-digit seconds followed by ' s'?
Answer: 12 h 41 min
